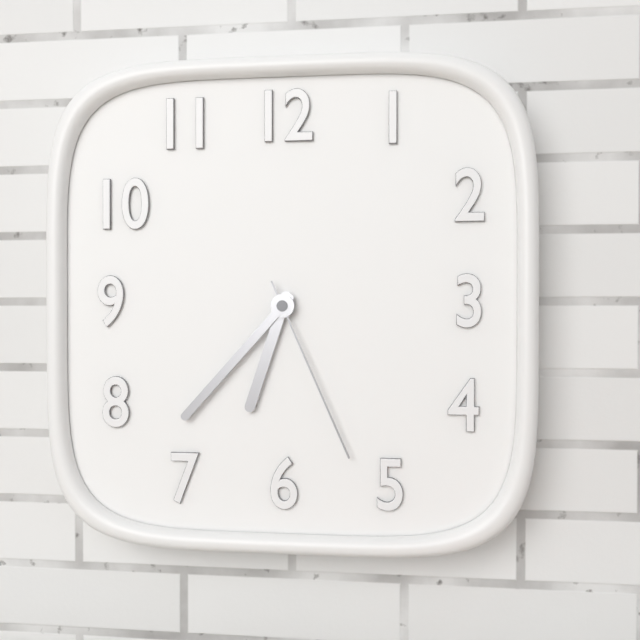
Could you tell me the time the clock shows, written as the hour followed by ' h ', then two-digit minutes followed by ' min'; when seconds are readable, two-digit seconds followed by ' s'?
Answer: 6 h 37 min 26 s
